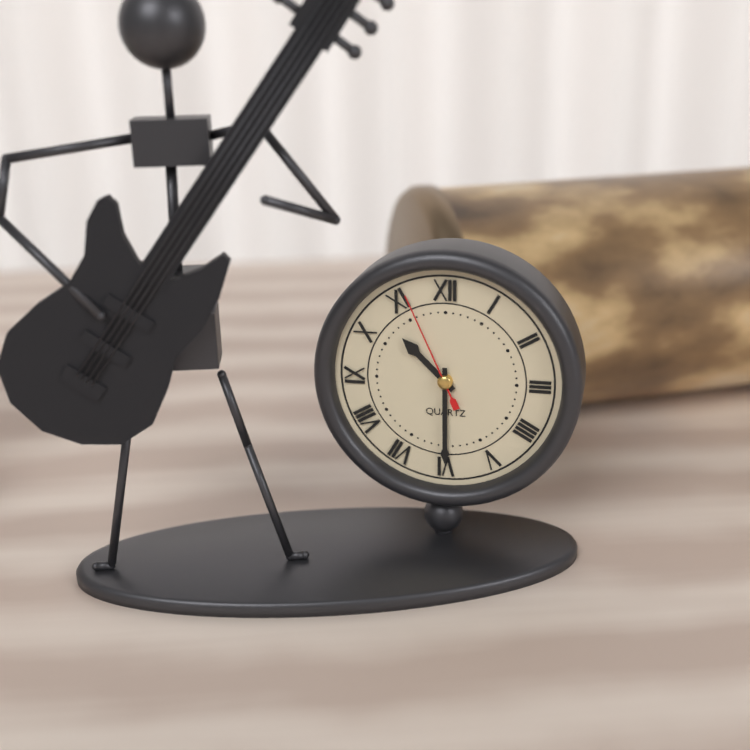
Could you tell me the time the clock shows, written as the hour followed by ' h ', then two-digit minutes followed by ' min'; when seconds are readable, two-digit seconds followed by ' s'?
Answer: 10 h 30 min 56 s
